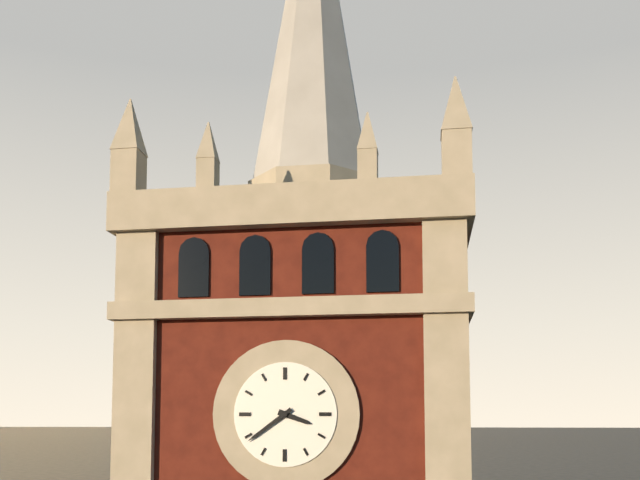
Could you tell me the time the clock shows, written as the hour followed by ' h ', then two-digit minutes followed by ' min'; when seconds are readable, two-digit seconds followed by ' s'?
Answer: 3 h 39 min
